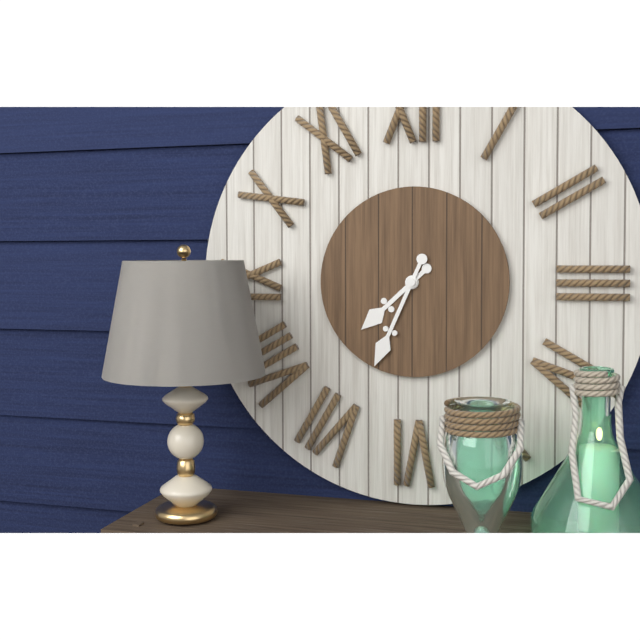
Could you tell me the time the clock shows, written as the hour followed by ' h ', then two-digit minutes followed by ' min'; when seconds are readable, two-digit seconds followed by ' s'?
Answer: 7 h 34 min
